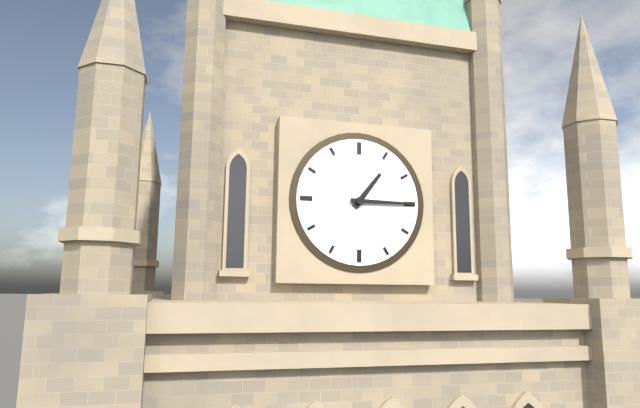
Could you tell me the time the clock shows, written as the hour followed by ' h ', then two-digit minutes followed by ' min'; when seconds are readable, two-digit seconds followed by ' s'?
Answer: 1 h 15 min
